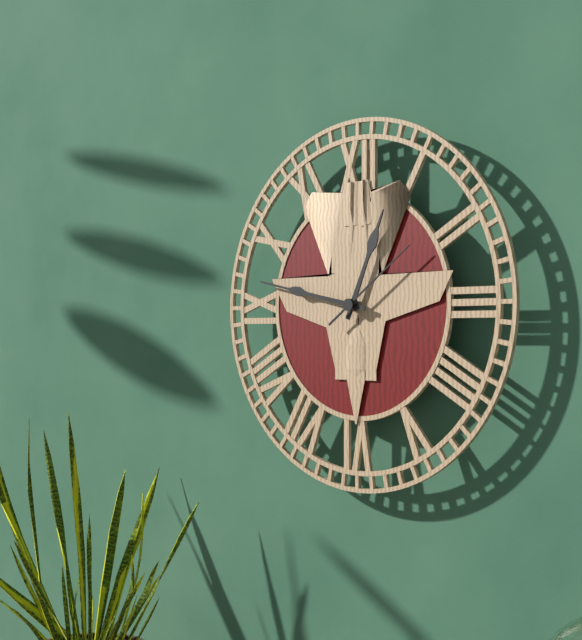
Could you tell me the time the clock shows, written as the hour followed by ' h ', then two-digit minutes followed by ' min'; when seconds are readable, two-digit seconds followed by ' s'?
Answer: 12 h 47 min 09 s
